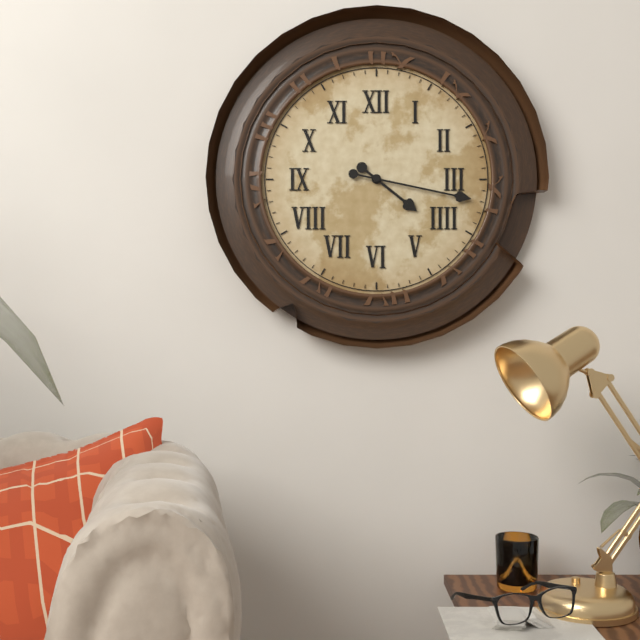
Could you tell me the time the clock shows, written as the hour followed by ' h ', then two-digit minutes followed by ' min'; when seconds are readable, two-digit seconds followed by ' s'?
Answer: 4 h 17 min
